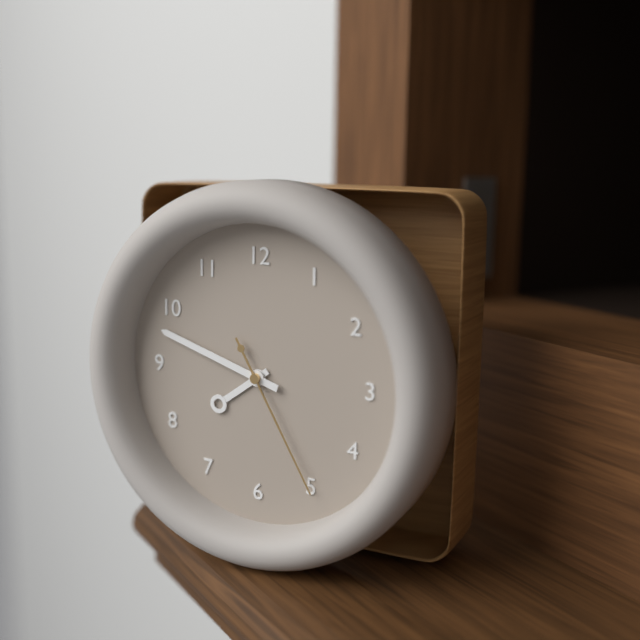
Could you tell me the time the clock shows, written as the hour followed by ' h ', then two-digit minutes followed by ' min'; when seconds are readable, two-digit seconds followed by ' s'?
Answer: 7 h 48 min 25 s
